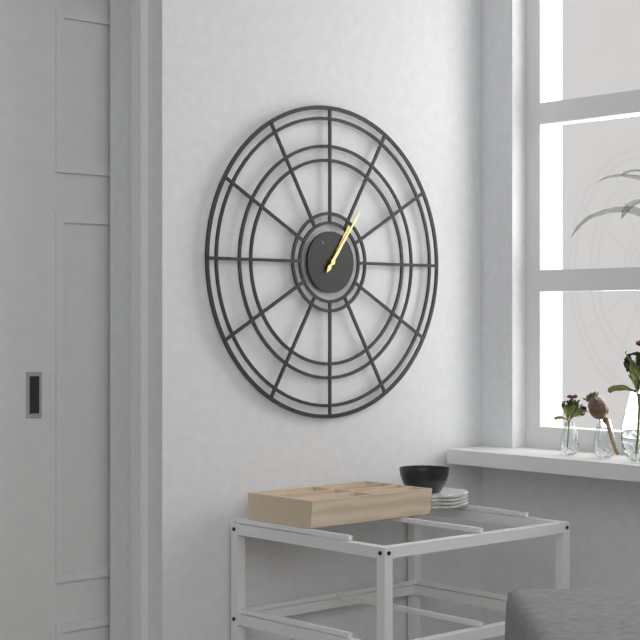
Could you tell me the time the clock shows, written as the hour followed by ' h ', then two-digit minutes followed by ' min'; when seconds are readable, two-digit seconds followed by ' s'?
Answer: 1 h 06 min
